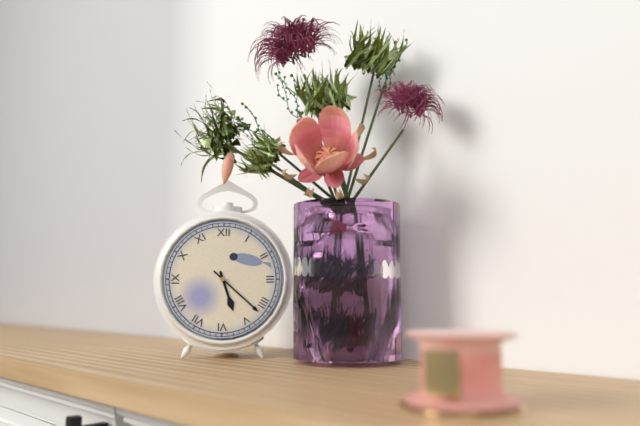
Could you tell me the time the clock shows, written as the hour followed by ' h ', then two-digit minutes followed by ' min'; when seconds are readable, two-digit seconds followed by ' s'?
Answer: 5 h 22 min
